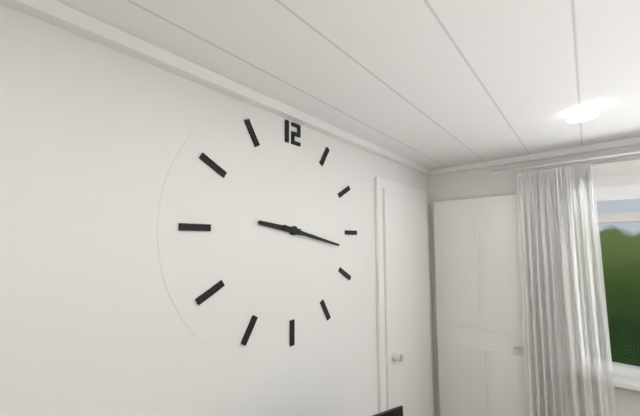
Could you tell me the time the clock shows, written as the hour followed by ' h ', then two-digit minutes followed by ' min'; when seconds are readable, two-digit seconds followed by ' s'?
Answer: 9 h 17 min
